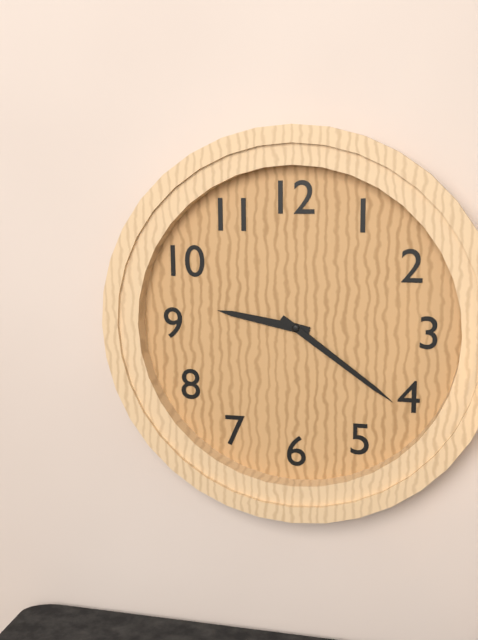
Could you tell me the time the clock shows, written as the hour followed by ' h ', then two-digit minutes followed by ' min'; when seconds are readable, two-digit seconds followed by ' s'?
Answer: 9 h 21 min
